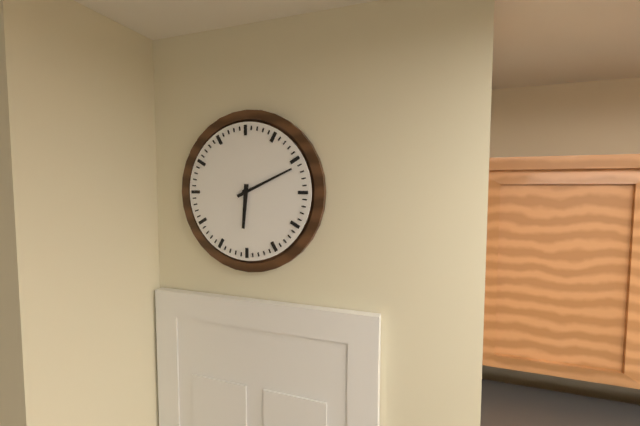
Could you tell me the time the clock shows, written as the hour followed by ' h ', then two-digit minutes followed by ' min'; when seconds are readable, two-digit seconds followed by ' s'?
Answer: 6 h 11 min
